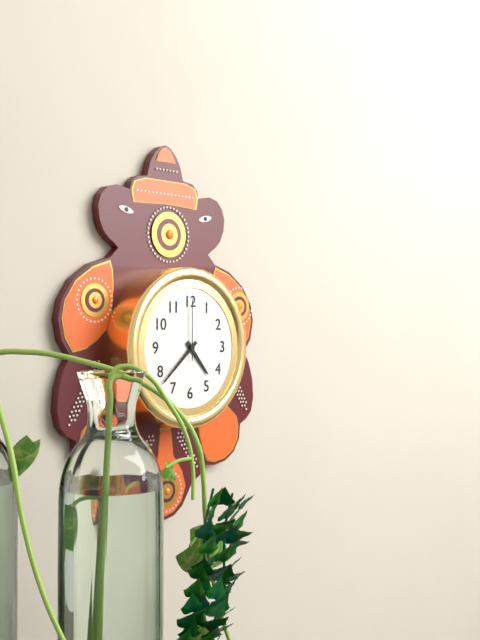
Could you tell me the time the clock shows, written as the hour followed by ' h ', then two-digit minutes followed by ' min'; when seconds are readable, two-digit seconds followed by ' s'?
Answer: 4 h 38 min 00 s
